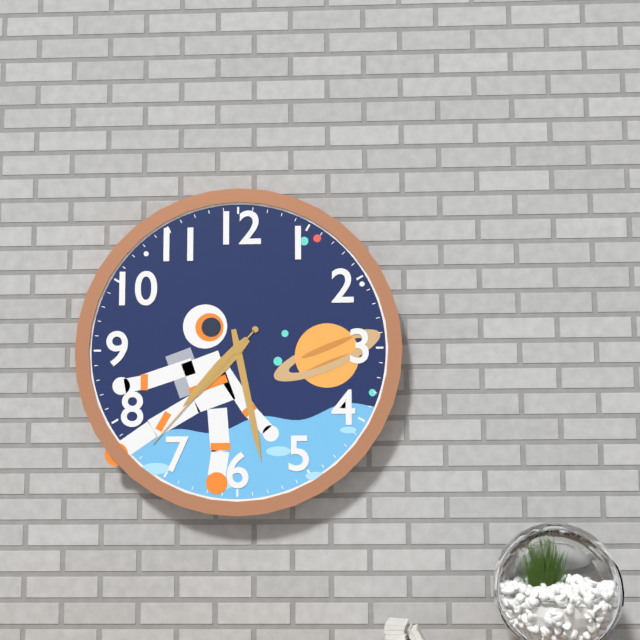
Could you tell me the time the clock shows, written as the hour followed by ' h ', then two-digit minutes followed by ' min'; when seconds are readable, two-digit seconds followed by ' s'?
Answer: 7 h 28 min 37 s
